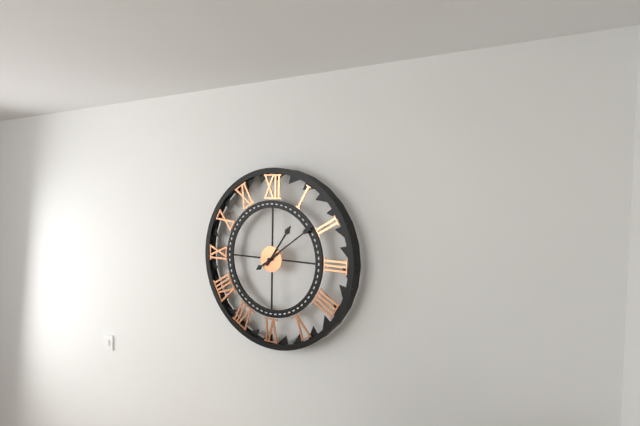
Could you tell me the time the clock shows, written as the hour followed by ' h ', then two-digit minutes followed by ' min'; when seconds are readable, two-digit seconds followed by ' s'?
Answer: 1 h 09 min
